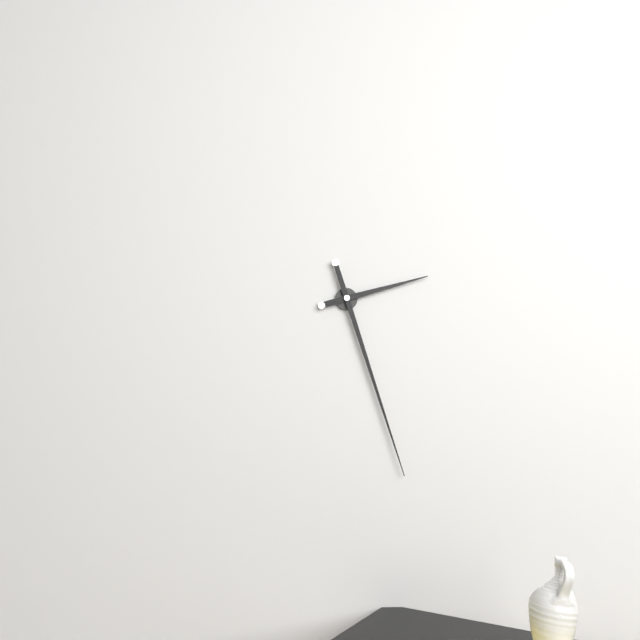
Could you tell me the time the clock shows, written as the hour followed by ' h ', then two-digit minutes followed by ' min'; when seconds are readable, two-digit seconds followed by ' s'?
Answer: 2 h 27 min
